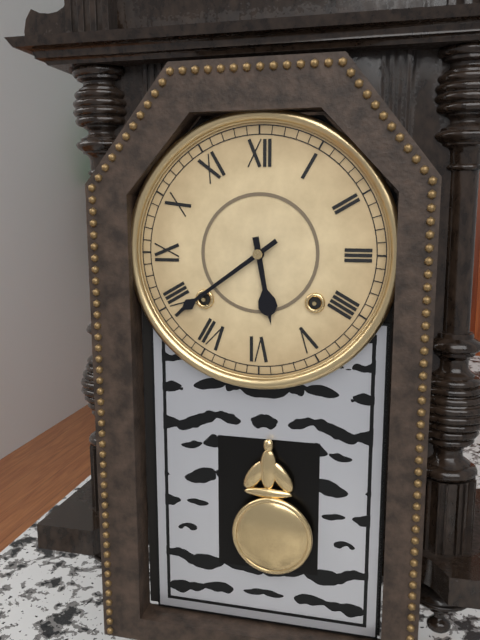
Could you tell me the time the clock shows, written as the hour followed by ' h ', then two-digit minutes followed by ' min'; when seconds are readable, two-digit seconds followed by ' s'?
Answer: 5 h 39 min
